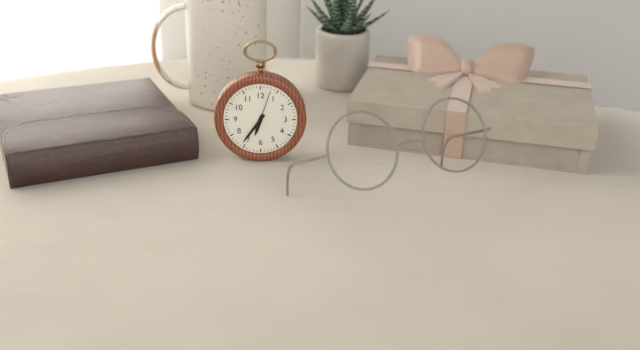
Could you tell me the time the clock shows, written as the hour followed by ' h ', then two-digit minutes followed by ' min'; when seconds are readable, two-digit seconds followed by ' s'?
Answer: 6 h 36 min
